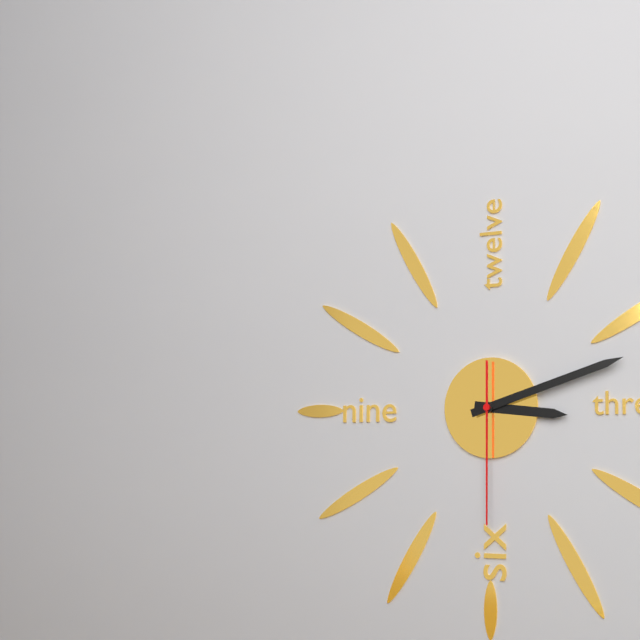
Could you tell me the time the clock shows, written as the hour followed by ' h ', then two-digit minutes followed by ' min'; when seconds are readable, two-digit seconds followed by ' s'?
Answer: 3 h 12 min 30 s
